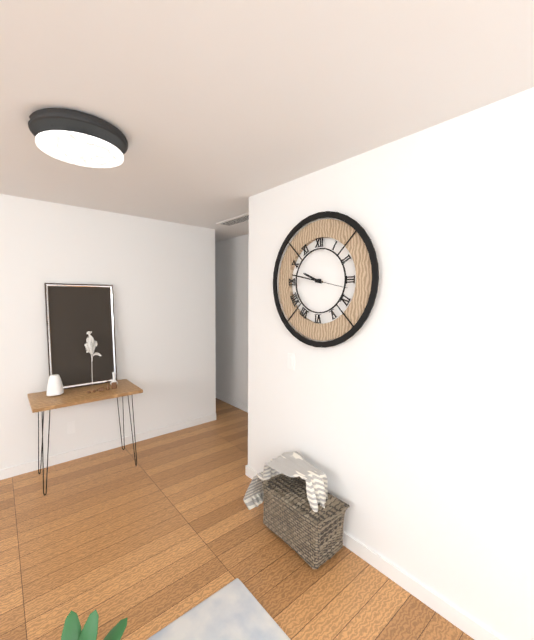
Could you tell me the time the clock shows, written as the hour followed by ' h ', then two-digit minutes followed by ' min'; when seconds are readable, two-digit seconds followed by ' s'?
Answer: 9 h 47 min
